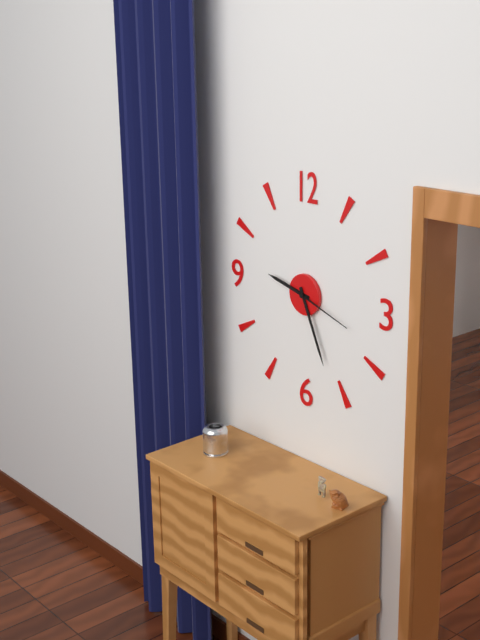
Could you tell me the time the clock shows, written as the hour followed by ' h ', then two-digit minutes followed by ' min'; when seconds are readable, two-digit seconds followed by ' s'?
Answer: 9 h 26 min 18 s
